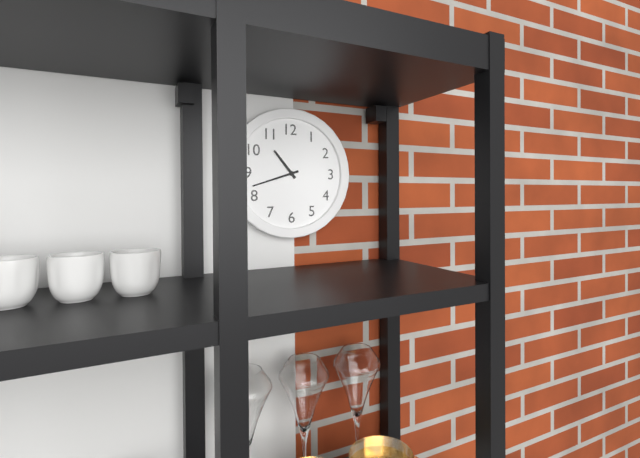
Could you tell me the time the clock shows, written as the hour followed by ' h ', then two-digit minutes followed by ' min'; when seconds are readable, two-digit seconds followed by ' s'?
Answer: 10 h 42 min
